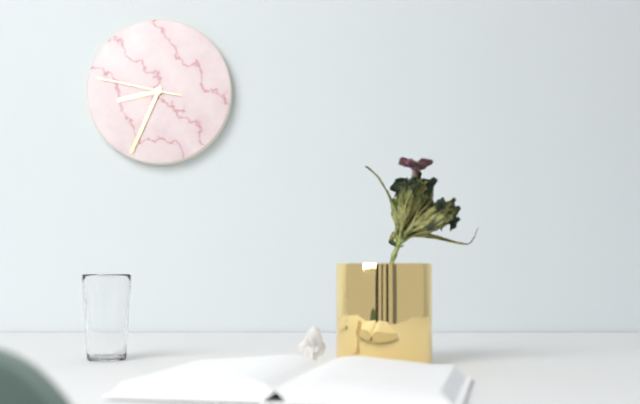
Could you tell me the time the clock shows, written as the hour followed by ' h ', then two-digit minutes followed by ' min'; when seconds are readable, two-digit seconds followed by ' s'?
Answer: 8 h 34 min 47 s
